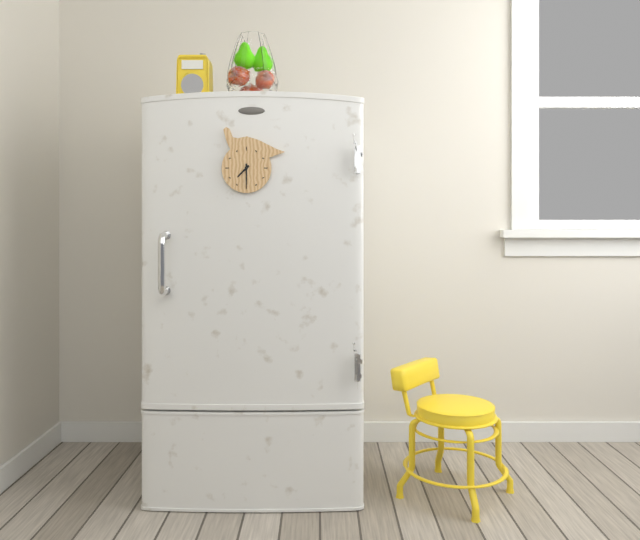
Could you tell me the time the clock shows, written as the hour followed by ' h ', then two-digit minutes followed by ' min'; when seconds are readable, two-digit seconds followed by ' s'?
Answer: 7 h 30 min
